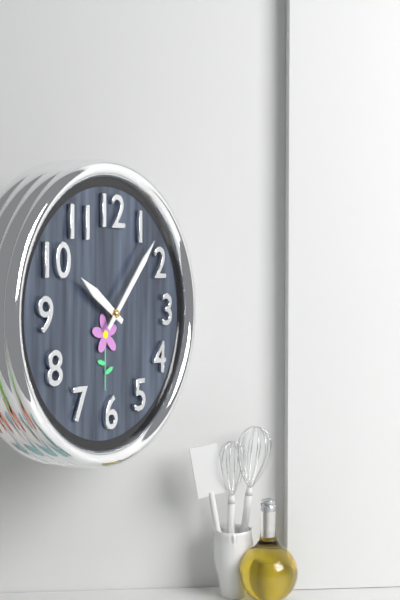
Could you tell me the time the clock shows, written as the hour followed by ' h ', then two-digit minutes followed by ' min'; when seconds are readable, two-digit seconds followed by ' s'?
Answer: 10 h 07 min
